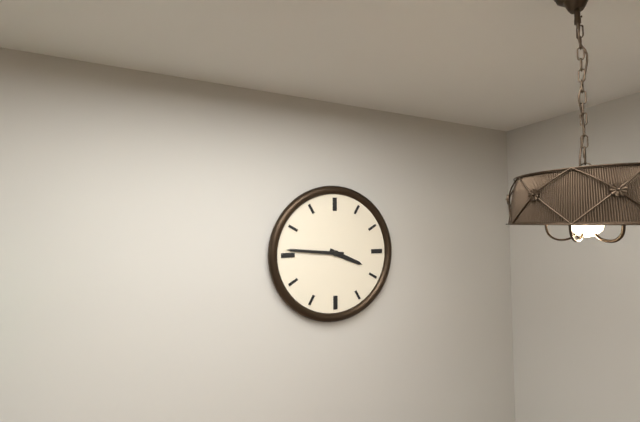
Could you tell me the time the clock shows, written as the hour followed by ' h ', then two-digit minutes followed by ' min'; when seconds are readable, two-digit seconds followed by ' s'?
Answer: 3 h 46 min
